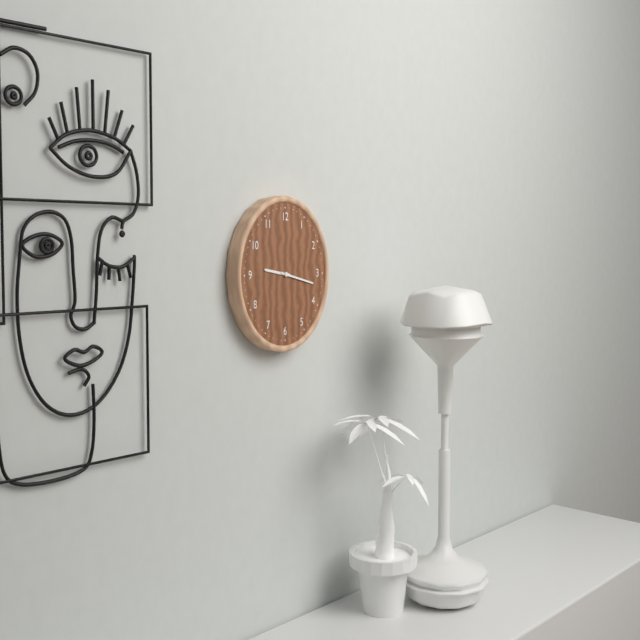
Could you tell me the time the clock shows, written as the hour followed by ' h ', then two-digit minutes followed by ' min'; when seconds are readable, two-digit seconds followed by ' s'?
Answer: 9 h 17 min
